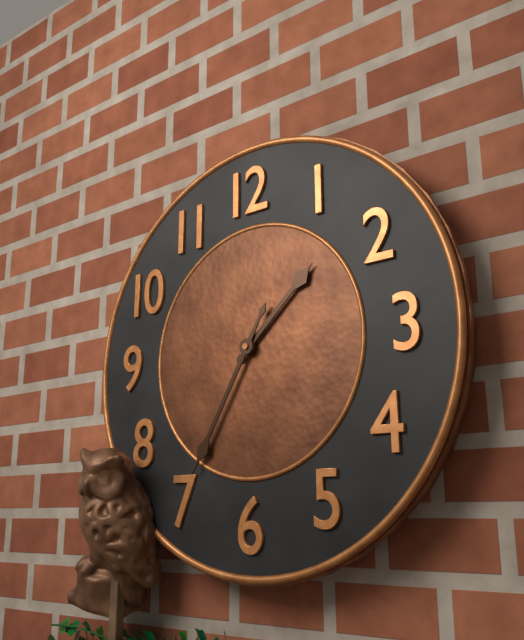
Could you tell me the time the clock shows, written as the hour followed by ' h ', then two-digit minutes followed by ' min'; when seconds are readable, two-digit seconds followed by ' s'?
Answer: 1 h 35 min
